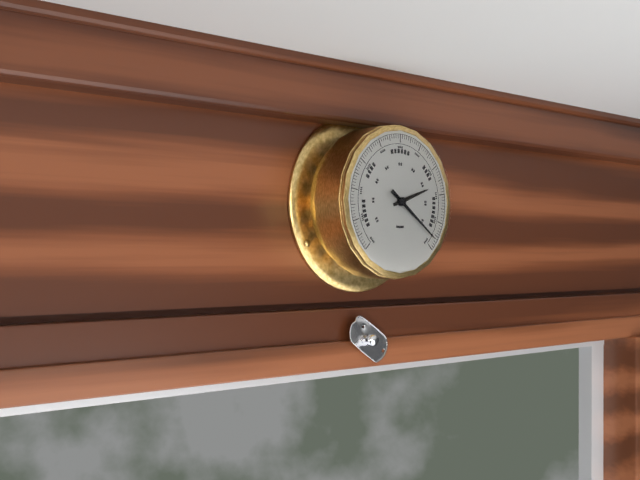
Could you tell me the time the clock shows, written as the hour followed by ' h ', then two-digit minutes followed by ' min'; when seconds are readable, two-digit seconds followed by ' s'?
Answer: 2 h 21 min
